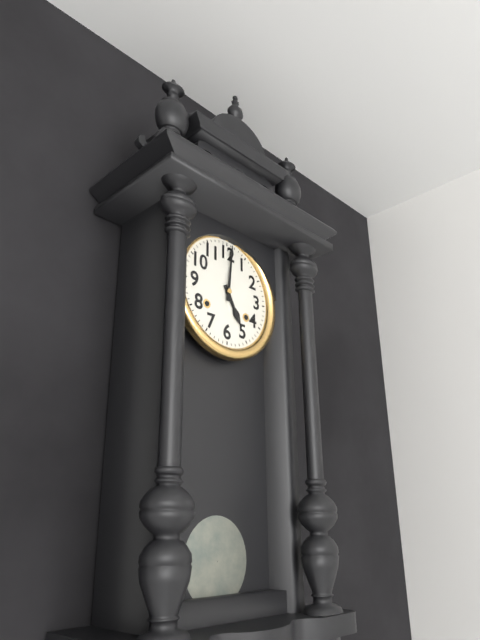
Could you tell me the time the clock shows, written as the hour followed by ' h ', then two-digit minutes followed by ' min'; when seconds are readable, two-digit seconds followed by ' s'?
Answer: 5 h 01 min
